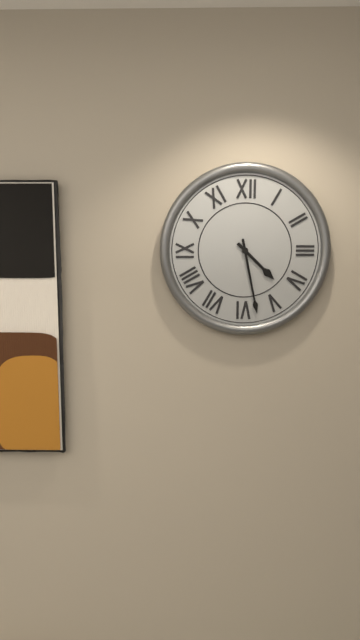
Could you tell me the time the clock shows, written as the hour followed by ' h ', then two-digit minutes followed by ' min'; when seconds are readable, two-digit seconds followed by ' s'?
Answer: 4 h 28 min
